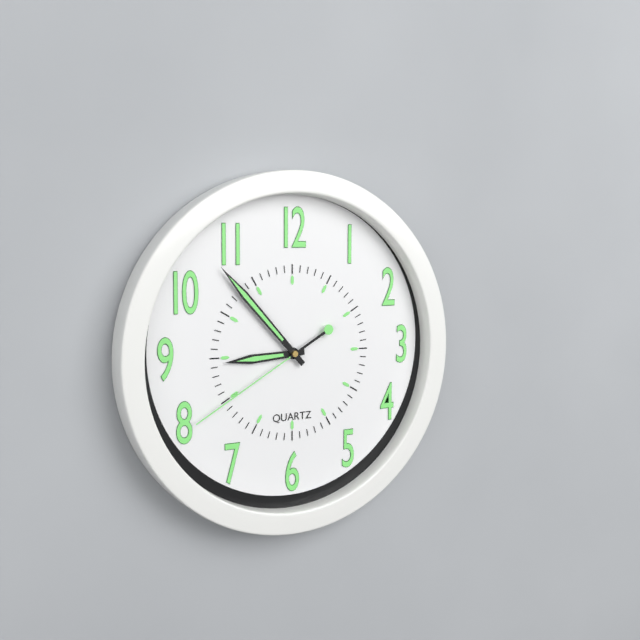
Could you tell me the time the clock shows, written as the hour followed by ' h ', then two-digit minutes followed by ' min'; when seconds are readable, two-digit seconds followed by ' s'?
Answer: 8 h 53 min 40 s
